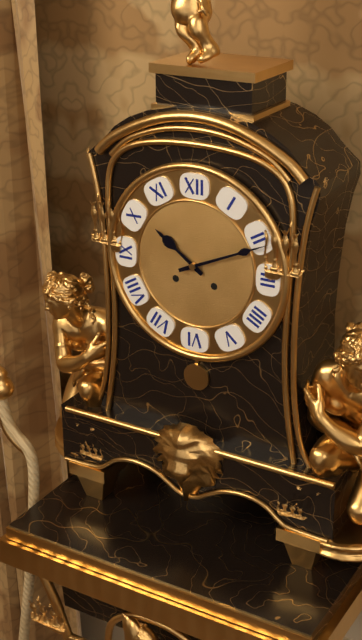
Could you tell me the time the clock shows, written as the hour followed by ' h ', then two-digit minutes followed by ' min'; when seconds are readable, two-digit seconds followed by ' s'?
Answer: 10 h 11 min
